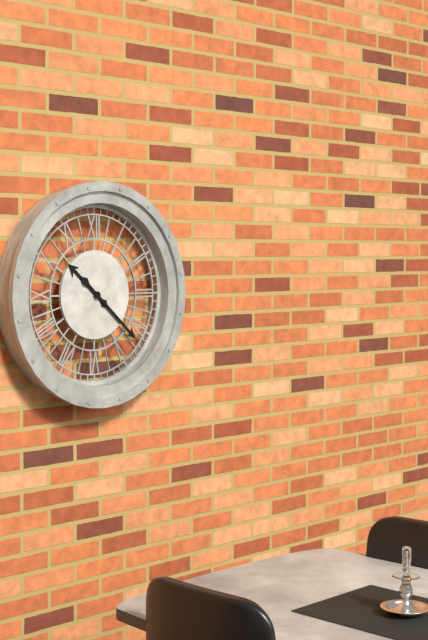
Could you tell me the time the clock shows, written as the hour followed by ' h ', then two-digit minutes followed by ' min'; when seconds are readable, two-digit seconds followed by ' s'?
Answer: 10 h 22 min
